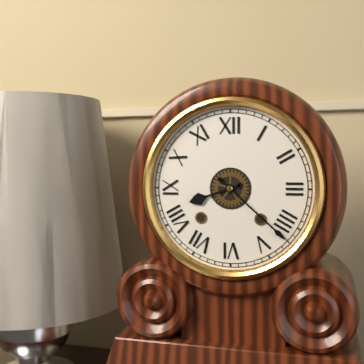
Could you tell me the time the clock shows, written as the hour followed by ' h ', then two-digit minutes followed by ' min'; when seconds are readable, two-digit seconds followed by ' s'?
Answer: 8 h 22 min
